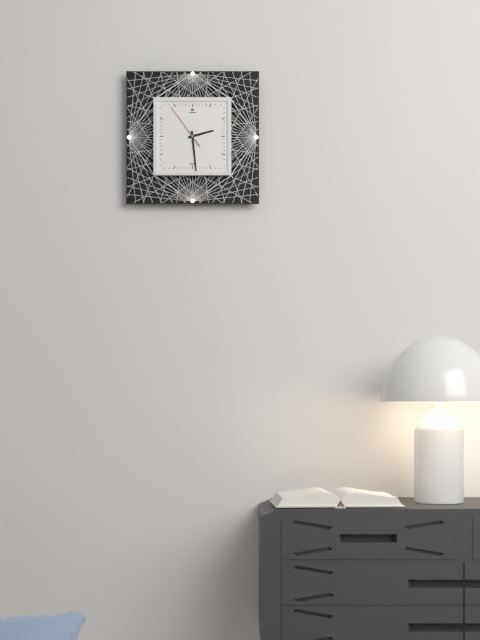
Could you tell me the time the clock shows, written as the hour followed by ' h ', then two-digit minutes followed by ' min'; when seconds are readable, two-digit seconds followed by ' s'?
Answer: 2 h 29 min
